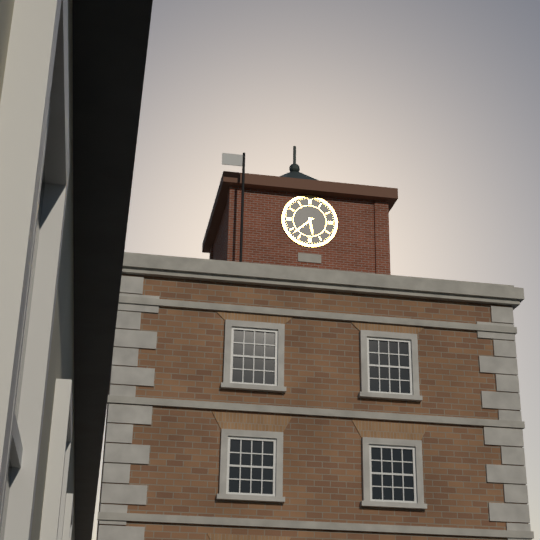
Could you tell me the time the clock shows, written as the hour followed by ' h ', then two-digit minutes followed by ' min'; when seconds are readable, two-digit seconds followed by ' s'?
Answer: 5 h 38 min
